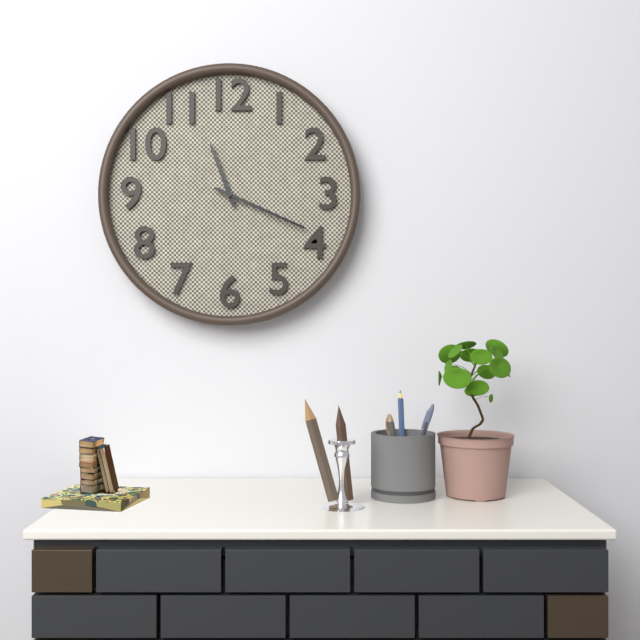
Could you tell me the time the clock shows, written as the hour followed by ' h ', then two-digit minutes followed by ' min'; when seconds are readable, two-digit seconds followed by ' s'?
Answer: 11 h 19 min
